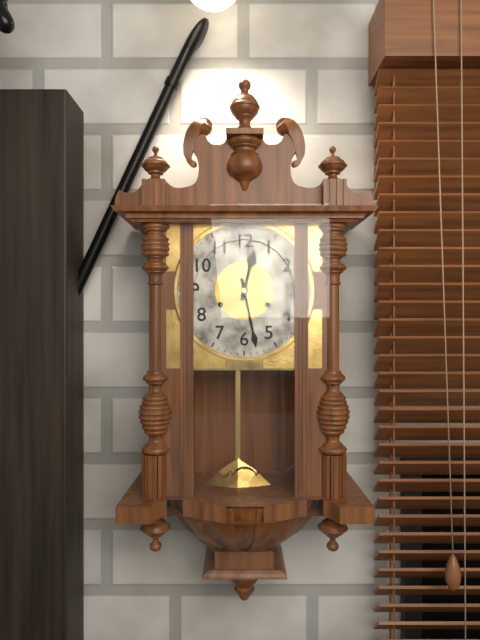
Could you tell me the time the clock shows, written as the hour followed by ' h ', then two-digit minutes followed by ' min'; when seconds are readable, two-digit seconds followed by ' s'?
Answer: 12 h 28 min
